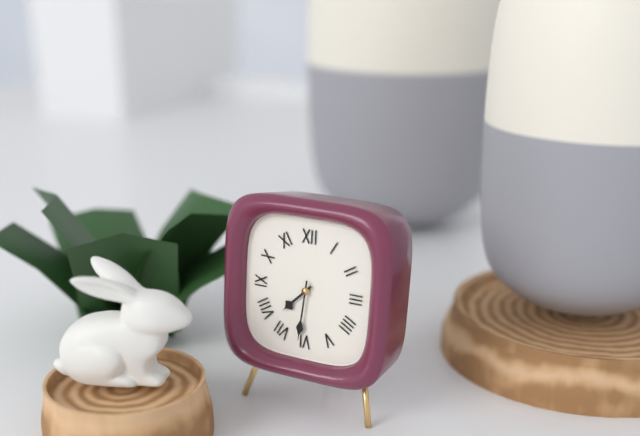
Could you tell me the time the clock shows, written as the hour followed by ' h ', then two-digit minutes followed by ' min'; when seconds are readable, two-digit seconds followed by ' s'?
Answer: 7 h 31 min
